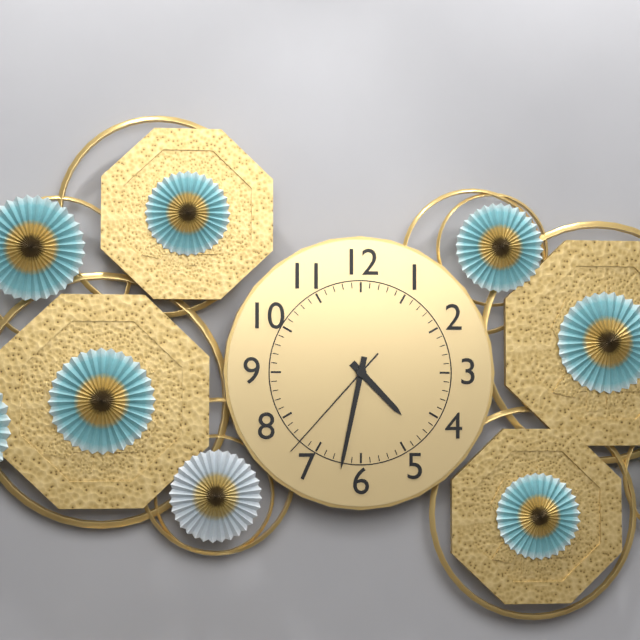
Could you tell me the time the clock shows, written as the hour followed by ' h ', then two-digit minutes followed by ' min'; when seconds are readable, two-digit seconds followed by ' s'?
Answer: 4 h 32 min 37 s
